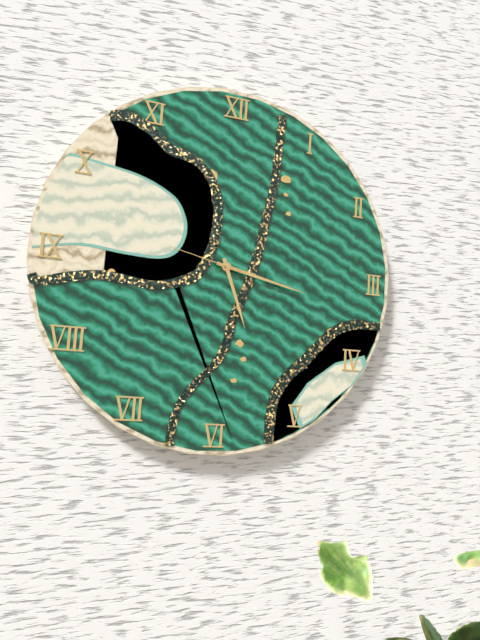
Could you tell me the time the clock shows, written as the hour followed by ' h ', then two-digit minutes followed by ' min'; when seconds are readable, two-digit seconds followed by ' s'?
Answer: 5 h 17 min 47 s
